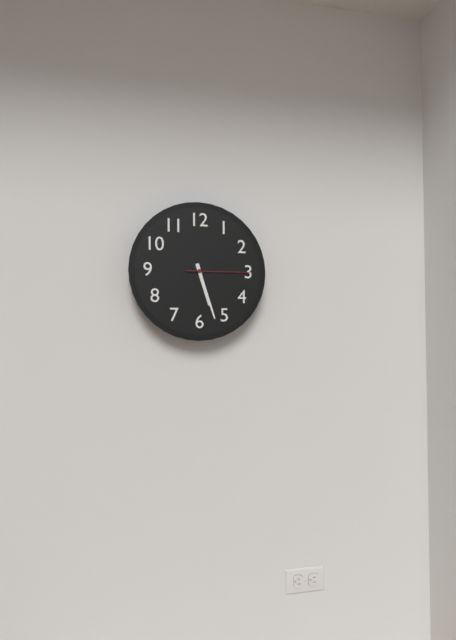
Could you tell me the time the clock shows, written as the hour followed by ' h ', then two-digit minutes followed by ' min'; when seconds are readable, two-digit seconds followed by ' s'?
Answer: 5 h 27 min 15 s
